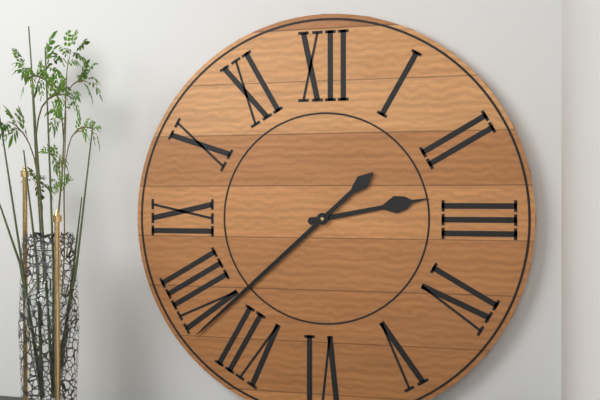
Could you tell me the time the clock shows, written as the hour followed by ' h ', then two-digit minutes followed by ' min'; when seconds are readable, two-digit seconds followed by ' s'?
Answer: 2 h 38 min
